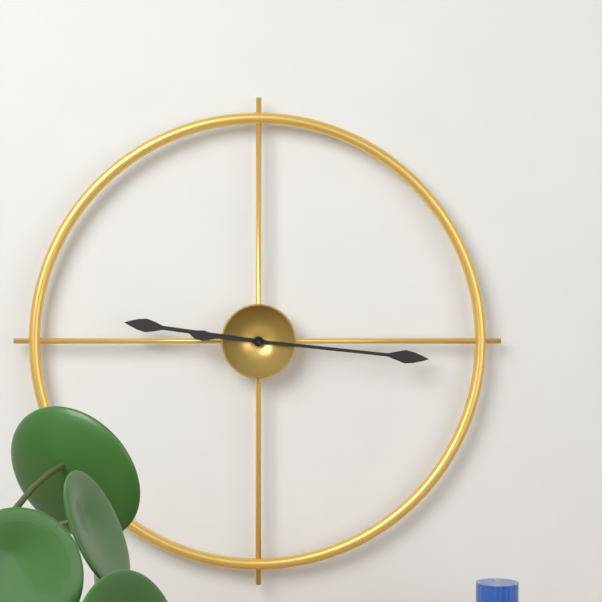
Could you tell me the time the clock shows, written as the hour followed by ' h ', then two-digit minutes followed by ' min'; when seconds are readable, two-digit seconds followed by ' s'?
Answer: 9 h 16 min
